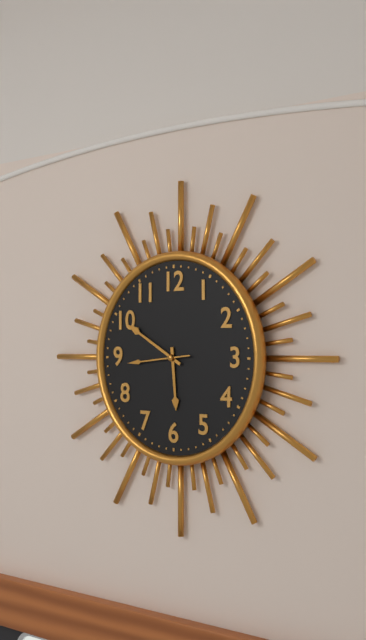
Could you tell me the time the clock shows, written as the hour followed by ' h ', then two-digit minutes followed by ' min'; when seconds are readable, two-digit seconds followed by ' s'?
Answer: 5 h 50 min 44 s
